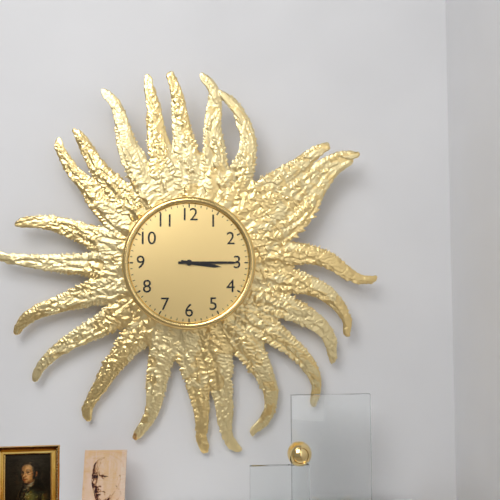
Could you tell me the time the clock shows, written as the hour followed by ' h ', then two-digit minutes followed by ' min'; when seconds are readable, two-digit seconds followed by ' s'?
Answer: 3 h 15 min
